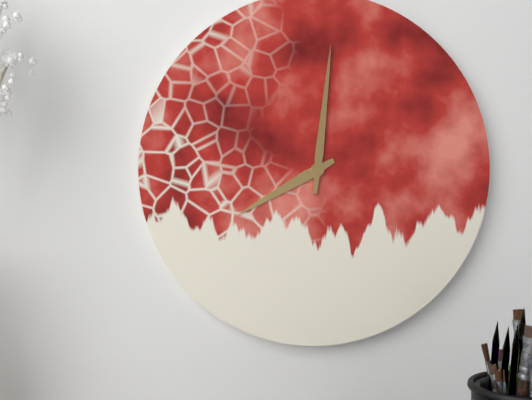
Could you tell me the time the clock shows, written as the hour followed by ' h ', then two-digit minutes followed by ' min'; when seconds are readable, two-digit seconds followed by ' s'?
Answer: 8 h 01 min
